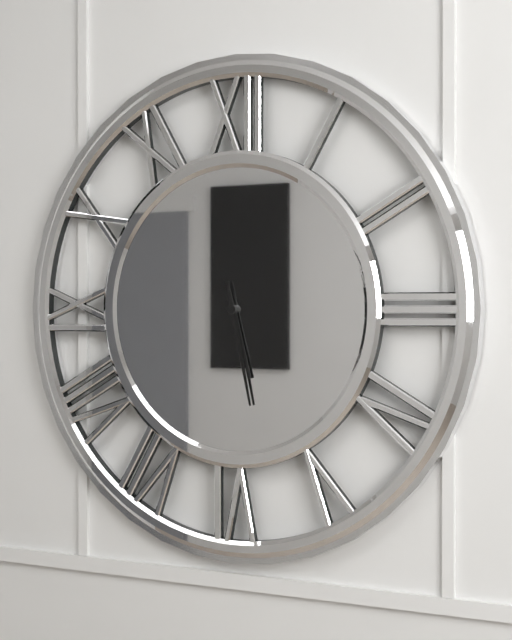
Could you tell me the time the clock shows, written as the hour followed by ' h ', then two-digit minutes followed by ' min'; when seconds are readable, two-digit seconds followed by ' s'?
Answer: 5 h 28 min
